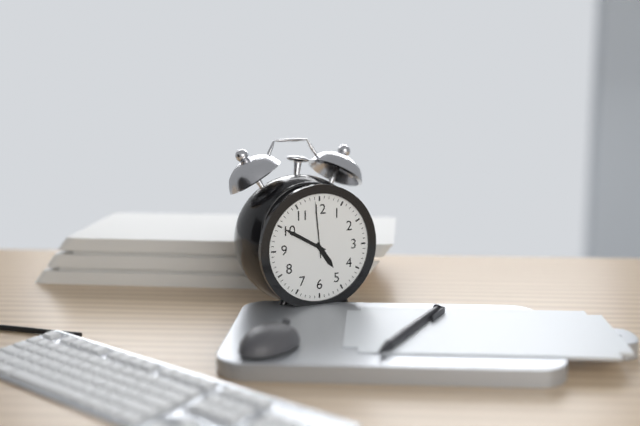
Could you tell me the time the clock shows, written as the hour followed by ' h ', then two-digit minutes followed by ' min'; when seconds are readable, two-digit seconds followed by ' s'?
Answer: 4 h 50 min 59 s
